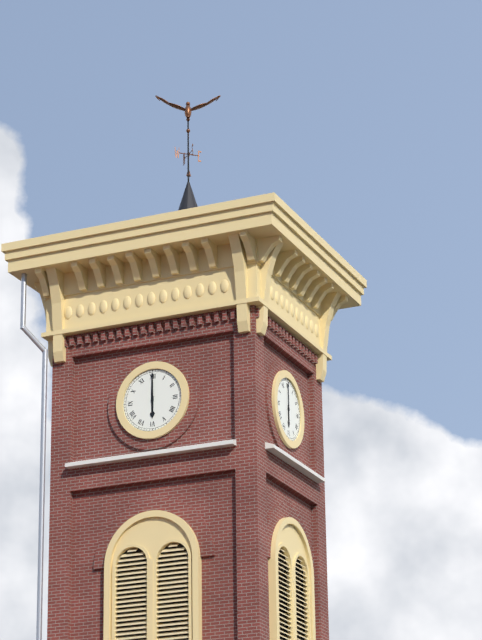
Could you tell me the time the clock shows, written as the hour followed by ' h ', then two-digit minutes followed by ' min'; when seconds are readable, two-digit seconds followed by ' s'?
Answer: 6 h 00 min
